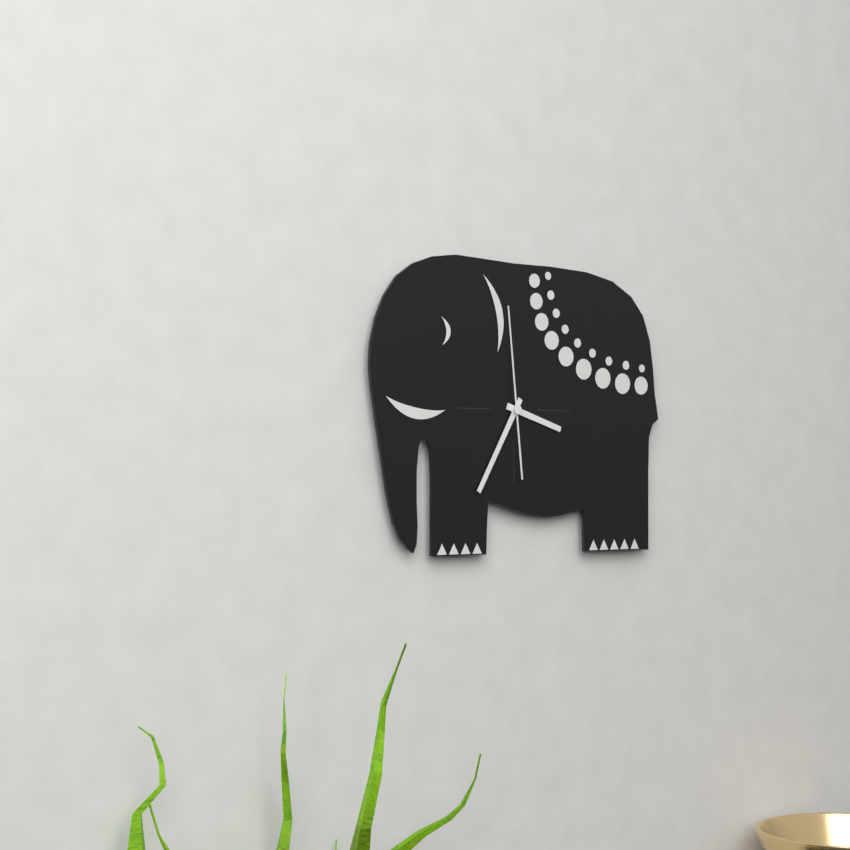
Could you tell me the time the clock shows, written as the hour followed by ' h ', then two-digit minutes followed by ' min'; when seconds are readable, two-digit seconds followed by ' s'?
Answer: 3 h 35 min 59 s
